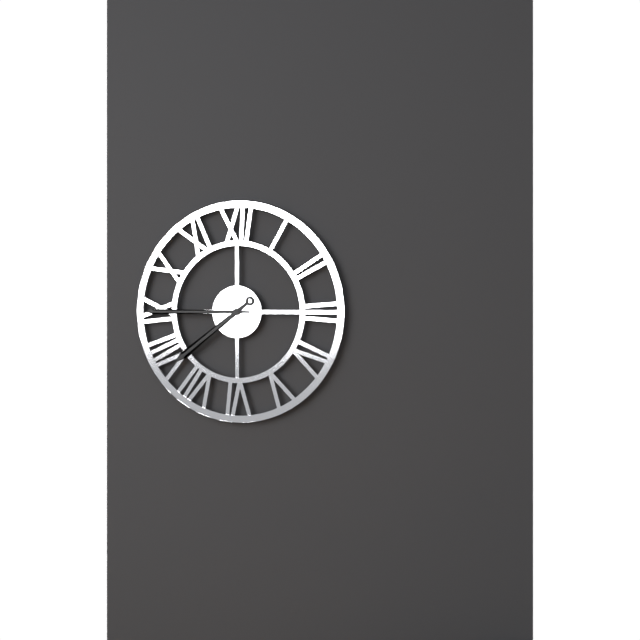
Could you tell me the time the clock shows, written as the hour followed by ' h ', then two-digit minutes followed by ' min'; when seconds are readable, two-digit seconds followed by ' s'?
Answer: 7 h 45 min
